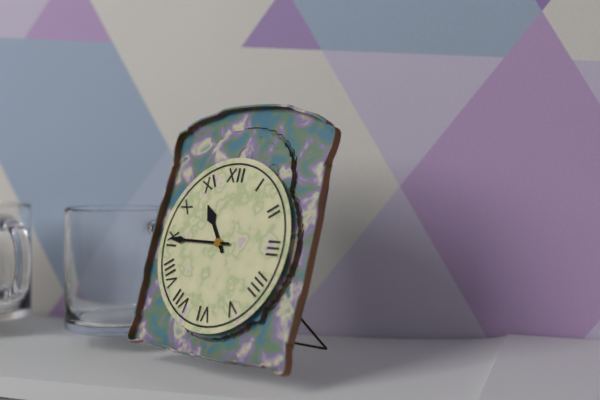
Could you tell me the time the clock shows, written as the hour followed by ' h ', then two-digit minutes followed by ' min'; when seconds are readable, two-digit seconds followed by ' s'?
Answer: 10 h 45 min
